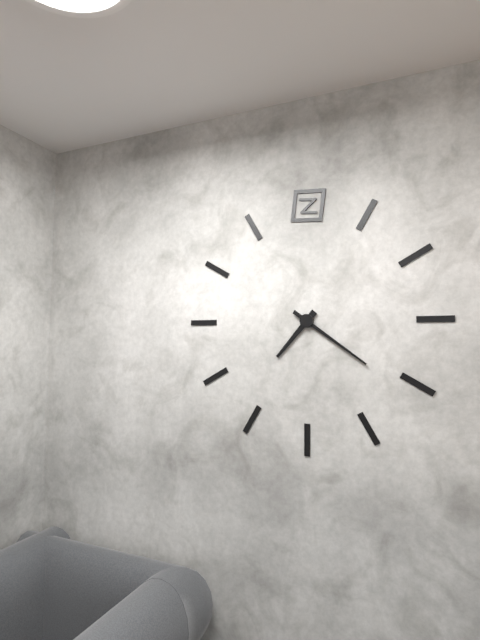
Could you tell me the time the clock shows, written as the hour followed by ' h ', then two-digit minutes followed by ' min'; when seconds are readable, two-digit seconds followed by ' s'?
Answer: 7 h 21 min
